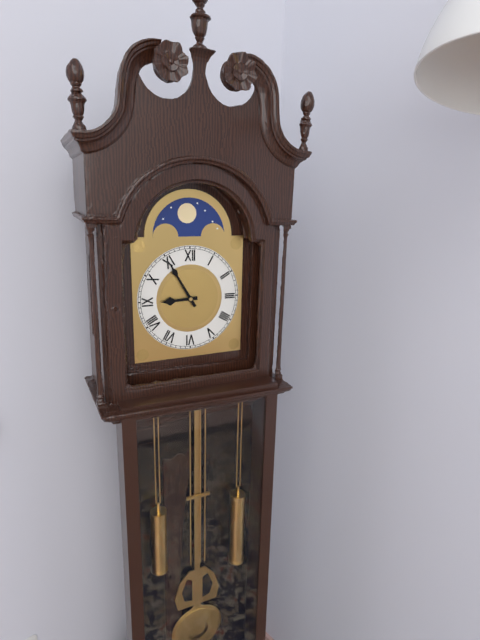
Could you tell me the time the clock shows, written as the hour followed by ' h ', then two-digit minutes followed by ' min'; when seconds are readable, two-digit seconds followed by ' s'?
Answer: 8 h 55 min
